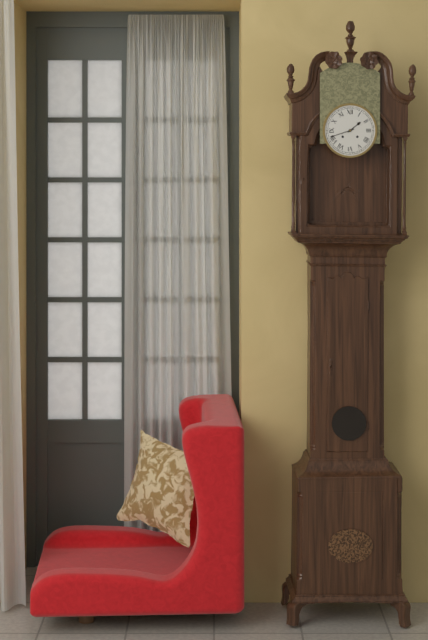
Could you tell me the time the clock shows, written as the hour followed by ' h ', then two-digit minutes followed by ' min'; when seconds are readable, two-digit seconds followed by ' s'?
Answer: 1 h 42 min
